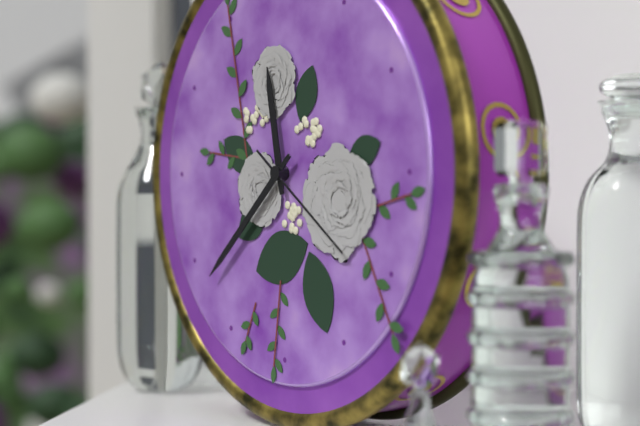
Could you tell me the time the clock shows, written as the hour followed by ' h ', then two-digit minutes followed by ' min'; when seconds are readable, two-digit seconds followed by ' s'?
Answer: 11 h 38 min 21 s
